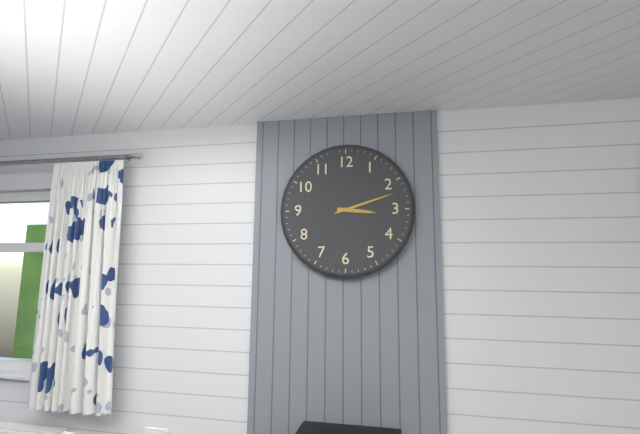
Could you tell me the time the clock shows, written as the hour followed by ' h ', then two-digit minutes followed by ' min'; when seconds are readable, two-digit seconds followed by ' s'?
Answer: 3 h 12 min
